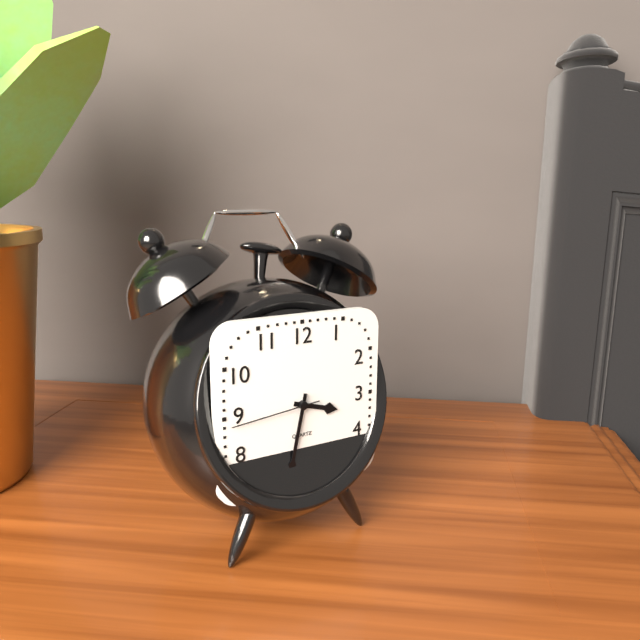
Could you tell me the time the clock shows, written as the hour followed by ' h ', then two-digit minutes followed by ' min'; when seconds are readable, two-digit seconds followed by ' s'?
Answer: 3 h 32 min 44 s
